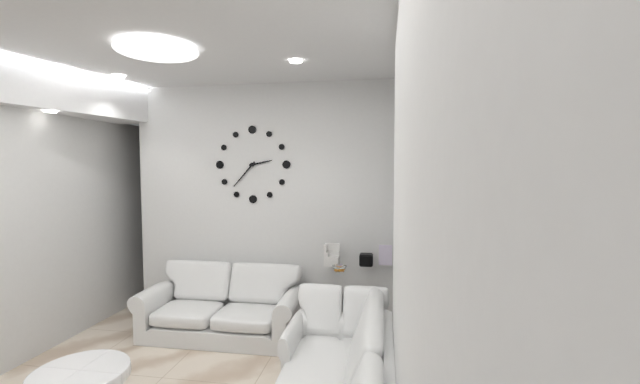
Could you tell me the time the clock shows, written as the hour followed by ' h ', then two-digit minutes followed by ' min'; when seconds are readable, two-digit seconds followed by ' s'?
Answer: 2 h 37 min
